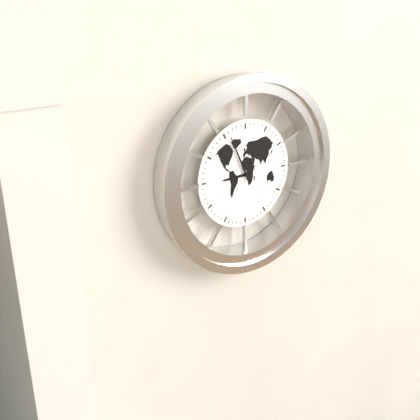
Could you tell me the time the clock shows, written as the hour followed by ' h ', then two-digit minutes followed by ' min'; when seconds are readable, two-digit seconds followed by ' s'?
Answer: 8 h 56 min
